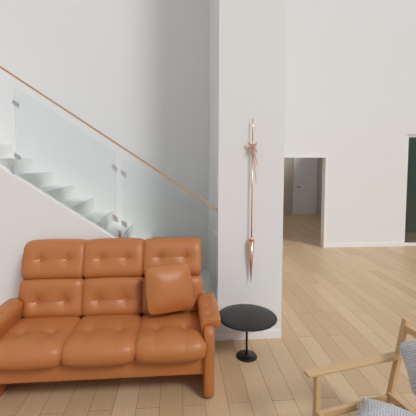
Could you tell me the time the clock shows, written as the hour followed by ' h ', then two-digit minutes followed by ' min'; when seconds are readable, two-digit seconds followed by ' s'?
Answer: 5 h 29 min
